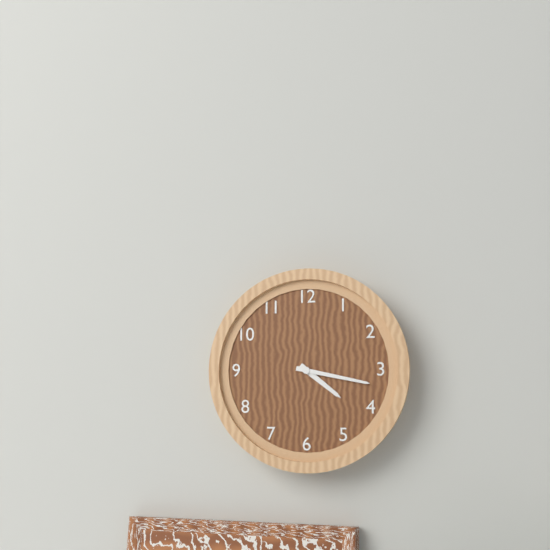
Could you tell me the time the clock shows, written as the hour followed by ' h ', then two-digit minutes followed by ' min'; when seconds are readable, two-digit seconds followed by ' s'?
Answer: 4 h 17 min
